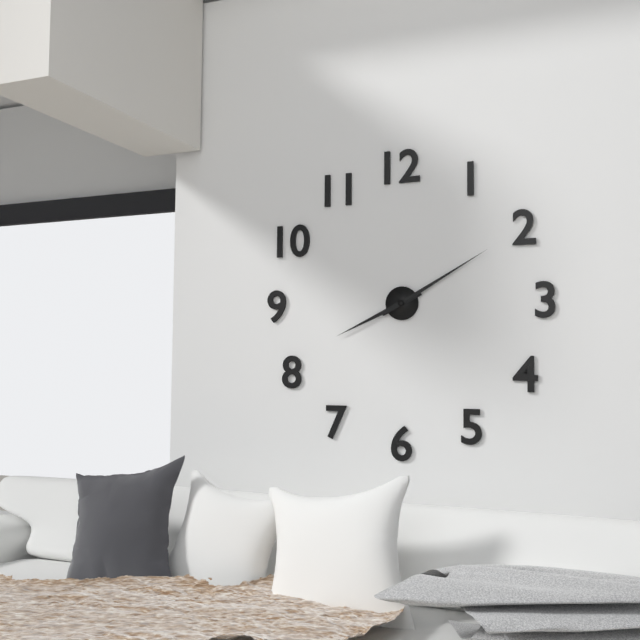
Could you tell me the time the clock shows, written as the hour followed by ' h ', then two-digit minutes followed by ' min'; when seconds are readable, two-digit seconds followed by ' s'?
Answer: 8 h 10 min
